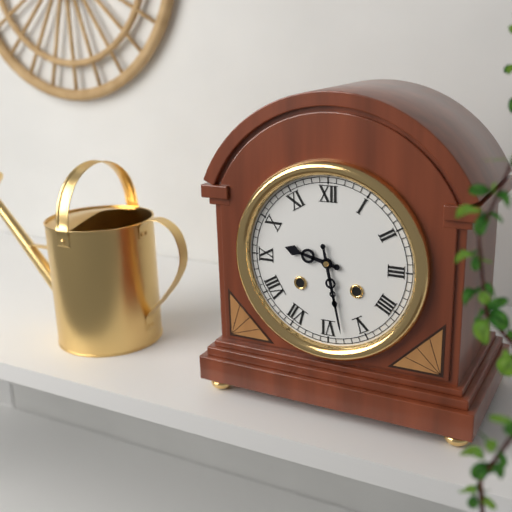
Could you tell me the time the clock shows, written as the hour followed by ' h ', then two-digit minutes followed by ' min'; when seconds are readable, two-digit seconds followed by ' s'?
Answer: 9 h 28 min
